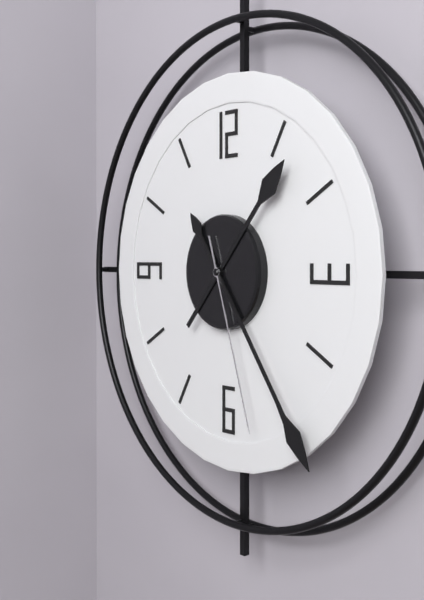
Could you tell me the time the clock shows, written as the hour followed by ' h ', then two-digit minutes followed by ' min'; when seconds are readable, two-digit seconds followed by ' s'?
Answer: 1 h 24 min 27 s
